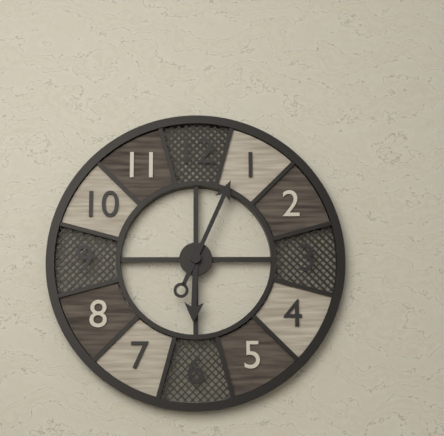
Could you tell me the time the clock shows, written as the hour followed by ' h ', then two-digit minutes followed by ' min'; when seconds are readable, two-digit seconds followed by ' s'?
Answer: 6 h 04 min
